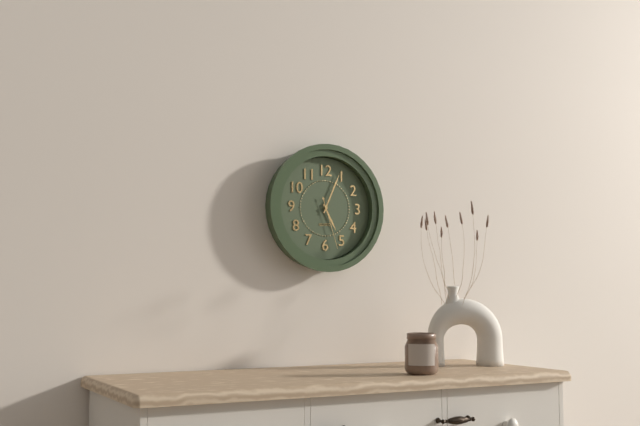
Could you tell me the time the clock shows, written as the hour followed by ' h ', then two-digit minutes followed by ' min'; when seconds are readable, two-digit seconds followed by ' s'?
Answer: 5 h 04 min 27 s
